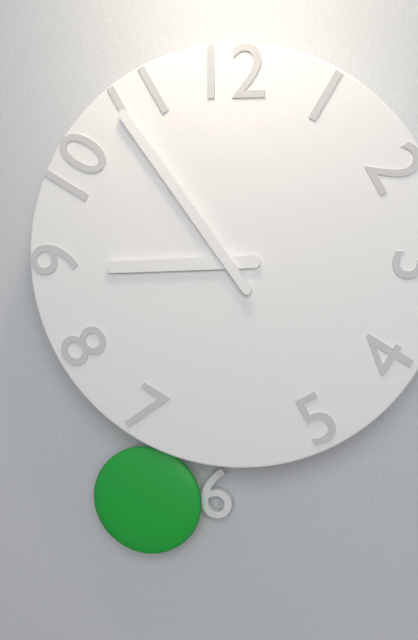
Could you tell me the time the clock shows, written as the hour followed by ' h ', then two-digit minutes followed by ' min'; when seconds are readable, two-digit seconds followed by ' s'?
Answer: 8 h 54 min
